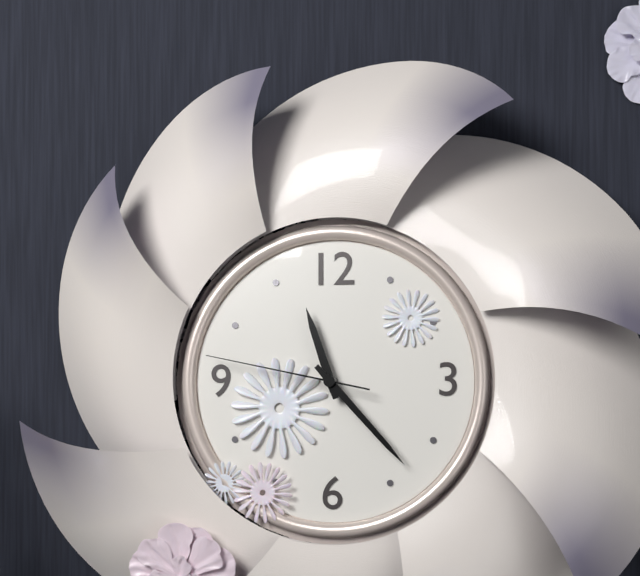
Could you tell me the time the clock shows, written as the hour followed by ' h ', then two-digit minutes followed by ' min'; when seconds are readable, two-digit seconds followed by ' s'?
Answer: 11 h 23 min 47 s
